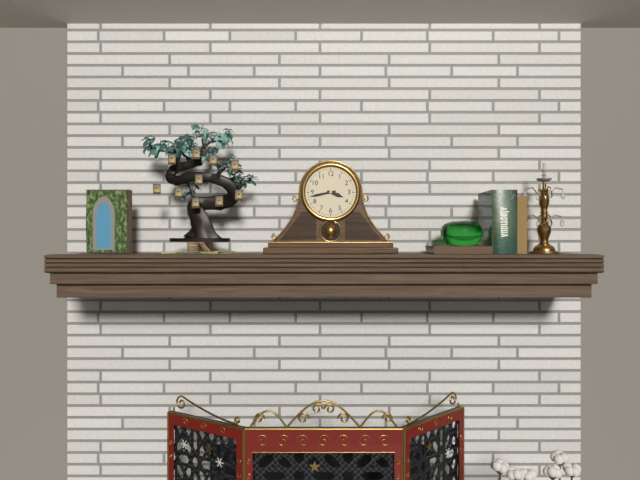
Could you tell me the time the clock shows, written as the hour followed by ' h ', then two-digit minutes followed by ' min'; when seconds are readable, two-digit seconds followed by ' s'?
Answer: 3 h 43 min
